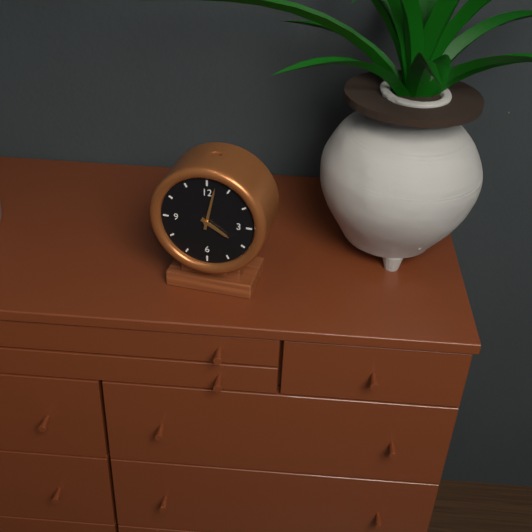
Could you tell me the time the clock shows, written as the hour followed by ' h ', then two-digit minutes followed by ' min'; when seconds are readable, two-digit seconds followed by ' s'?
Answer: 4 h 02 min
